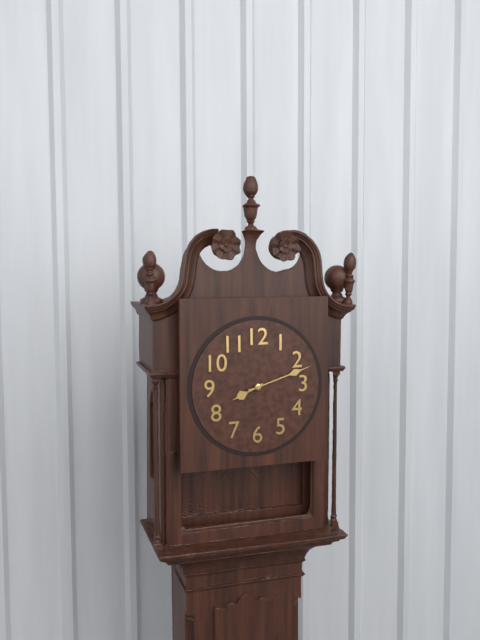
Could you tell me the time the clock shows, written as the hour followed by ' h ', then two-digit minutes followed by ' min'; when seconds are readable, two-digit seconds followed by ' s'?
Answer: 8 h 12 min
